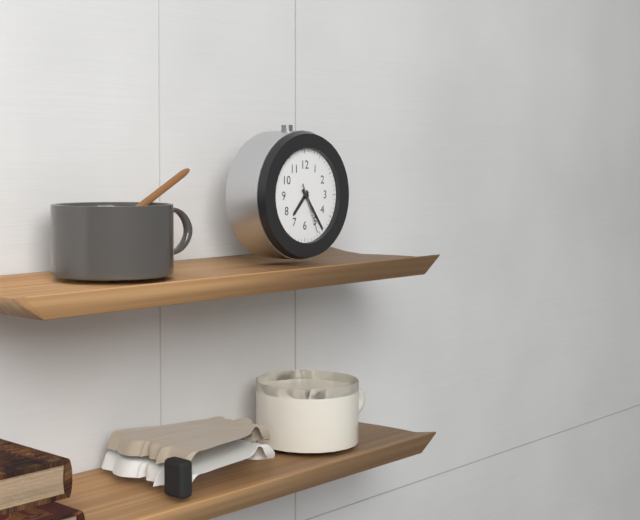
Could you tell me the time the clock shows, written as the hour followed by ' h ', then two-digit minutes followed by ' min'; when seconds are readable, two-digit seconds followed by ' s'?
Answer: 7 h 24 min
